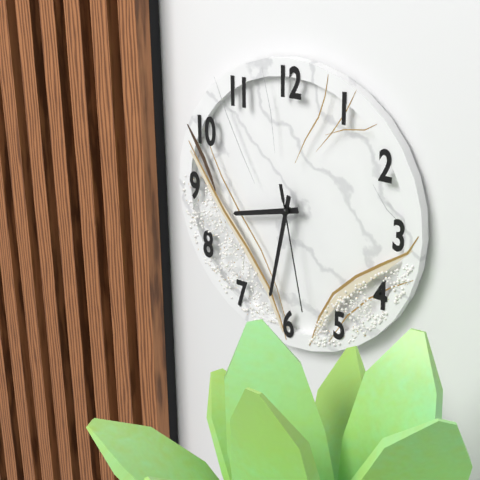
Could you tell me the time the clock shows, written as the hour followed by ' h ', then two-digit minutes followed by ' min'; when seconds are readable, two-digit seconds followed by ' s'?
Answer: 8 h 32 min 28 s
